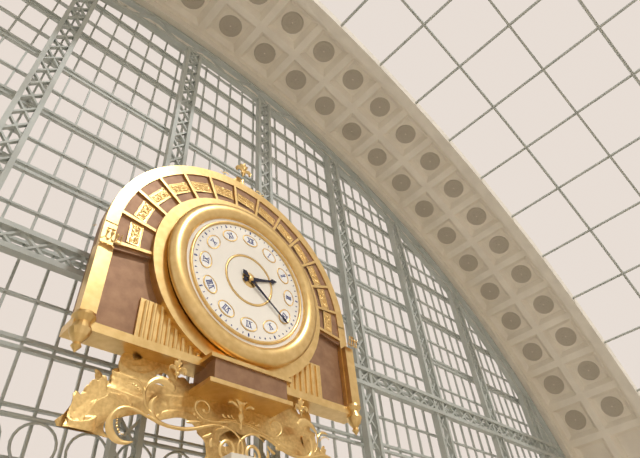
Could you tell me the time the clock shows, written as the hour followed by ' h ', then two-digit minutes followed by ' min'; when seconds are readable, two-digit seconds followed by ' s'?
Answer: 2 h 21 min
